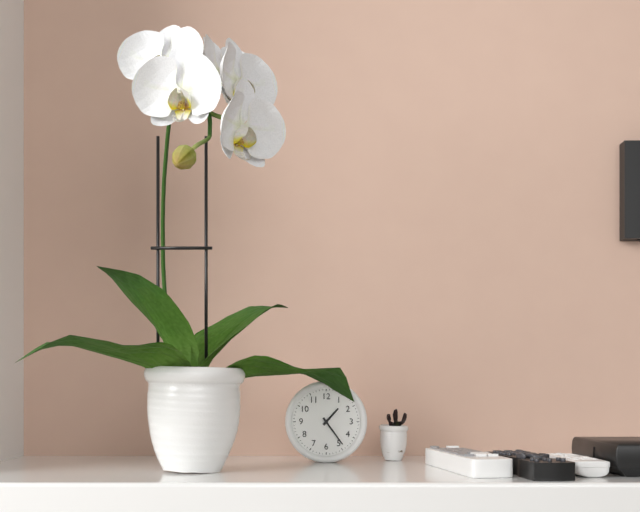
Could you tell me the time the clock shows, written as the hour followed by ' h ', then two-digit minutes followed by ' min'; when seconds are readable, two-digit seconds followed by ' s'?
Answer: 1 h 24 min
